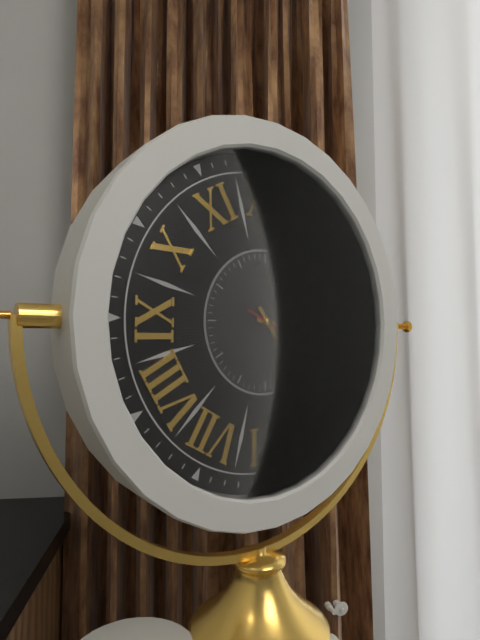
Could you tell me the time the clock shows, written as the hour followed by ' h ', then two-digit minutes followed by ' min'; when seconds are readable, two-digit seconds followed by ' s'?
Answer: 3 h 24 min 19 s
